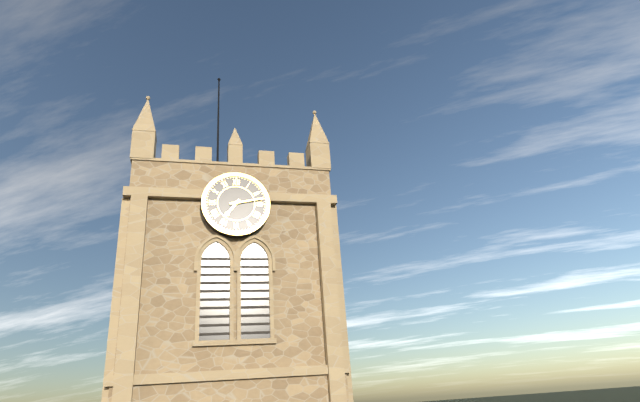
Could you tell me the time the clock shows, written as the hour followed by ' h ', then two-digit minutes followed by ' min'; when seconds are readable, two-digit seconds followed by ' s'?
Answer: 7 h 13 min
